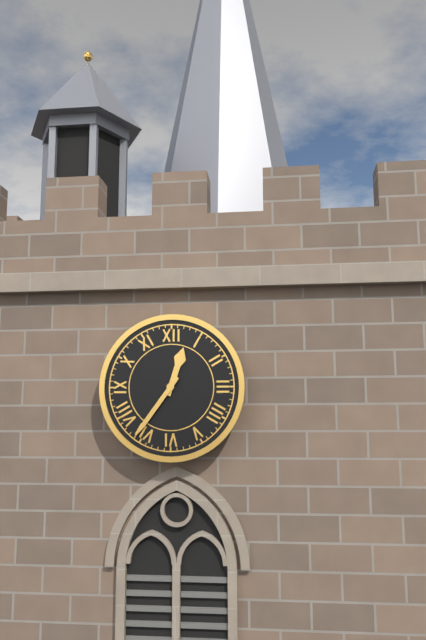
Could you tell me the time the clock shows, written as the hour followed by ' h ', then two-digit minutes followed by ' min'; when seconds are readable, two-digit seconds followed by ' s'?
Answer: 12 h 36 min
